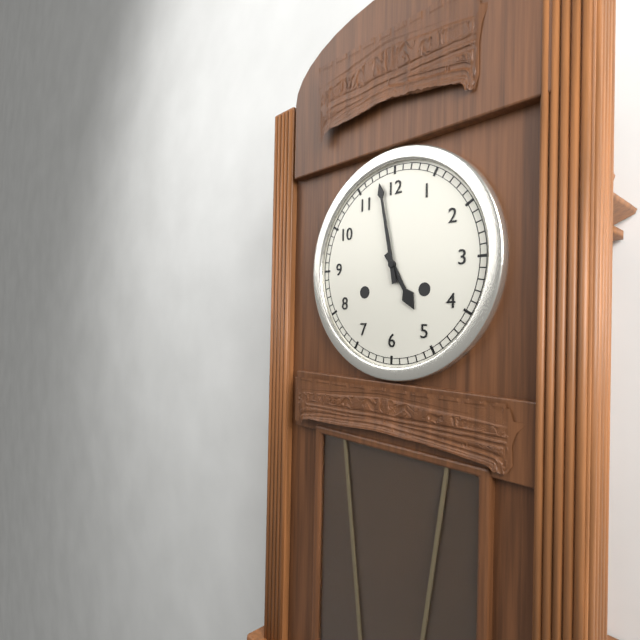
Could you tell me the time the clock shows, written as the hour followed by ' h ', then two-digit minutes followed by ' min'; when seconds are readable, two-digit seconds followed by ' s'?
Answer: 4 h 58 min
